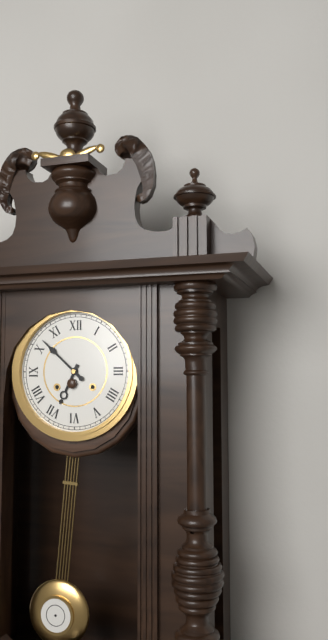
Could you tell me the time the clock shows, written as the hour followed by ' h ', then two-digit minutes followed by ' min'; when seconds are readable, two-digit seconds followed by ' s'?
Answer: 6 h 52 min
